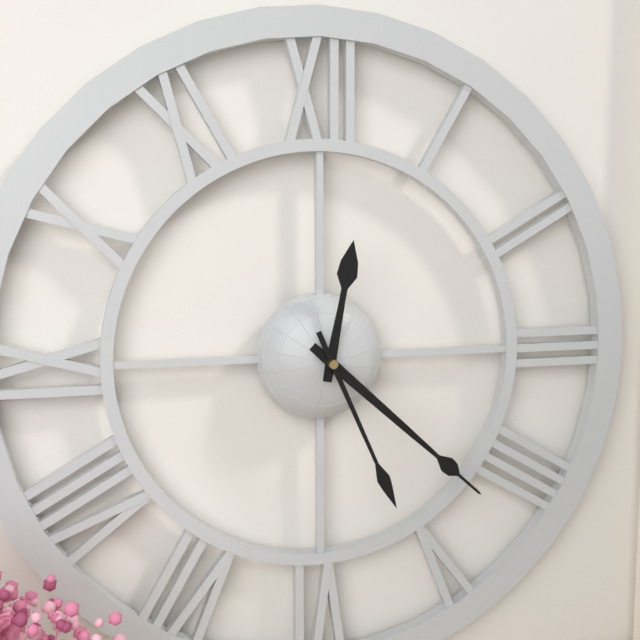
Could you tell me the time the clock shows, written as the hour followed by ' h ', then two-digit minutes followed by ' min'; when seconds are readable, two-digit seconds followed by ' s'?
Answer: 12 h 22 min 26 s
